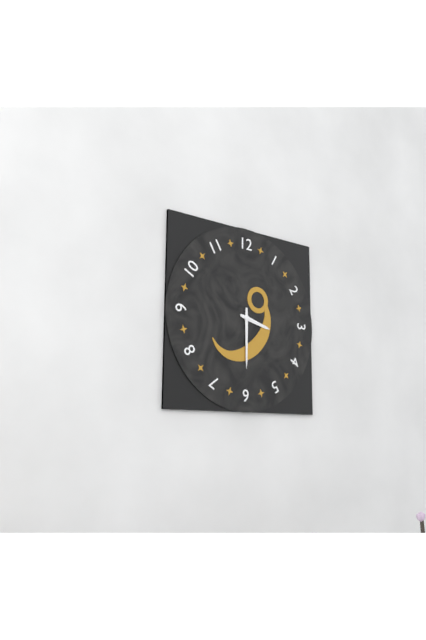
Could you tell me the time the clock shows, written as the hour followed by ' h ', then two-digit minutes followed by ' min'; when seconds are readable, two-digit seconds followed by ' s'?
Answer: 3 h 30 min
